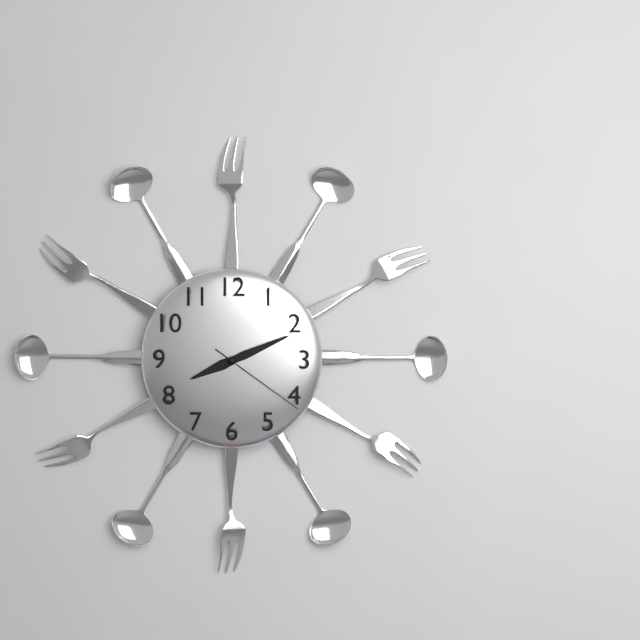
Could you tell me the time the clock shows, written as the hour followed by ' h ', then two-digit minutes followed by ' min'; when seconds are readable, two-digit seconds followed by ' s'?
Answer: 8 h 11 min 21 s
